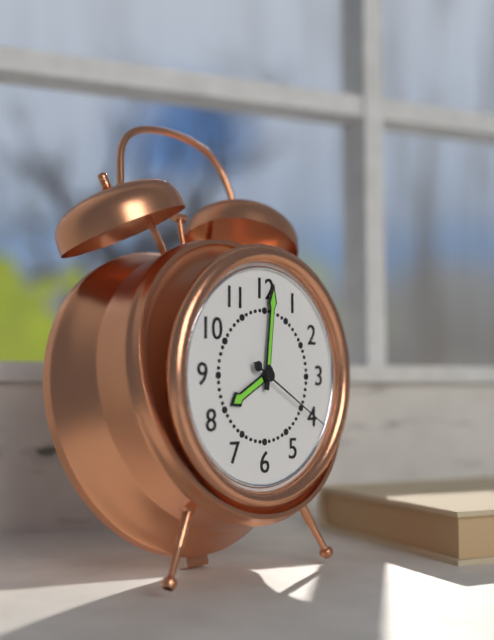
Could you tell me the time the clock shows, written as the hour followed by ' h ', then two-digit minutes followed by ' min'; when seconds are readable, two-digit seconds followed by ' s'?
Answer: 8 h 01 min 20 s
